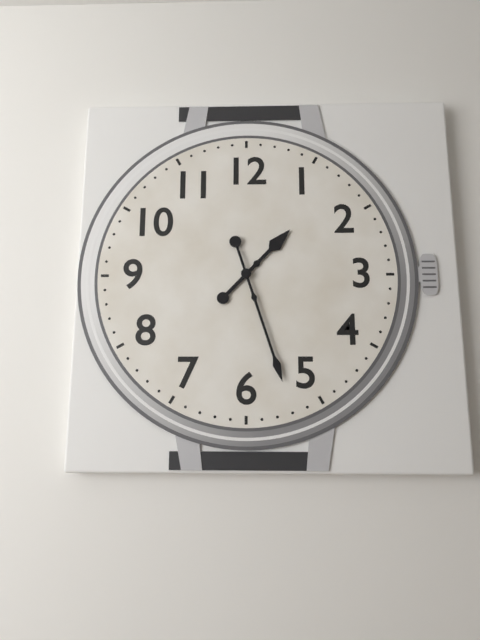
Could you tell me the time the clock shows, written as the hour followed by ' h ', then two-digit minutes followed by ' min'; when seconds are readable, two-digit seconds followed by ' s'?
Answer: 1 h 27 min
